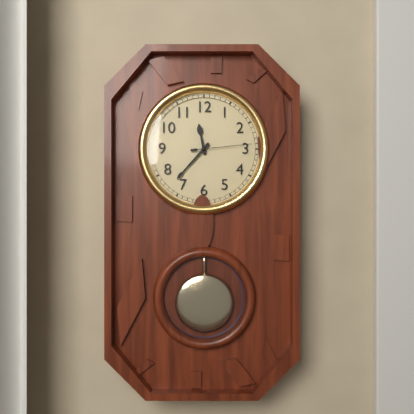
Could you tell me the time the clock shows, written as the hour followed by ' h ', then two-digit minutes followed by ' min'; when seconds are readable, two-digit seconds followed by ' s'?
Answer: 11 h 37 min 14 s
